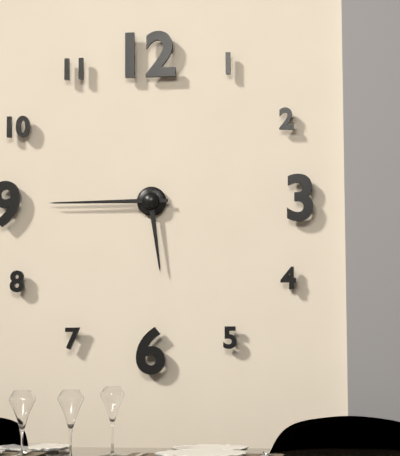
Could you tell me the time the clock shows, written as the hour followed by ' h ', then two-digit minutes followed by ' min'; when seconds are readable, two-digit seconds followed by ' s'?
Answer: 5 h 45 min
